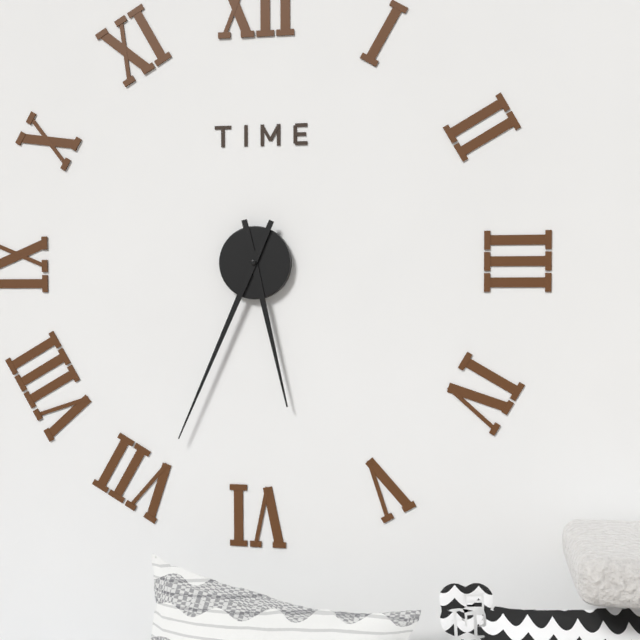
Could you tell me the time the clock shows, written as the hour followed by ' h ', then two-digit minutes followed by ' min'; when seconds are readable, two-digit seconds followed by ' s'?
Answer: 5 h 34 min
